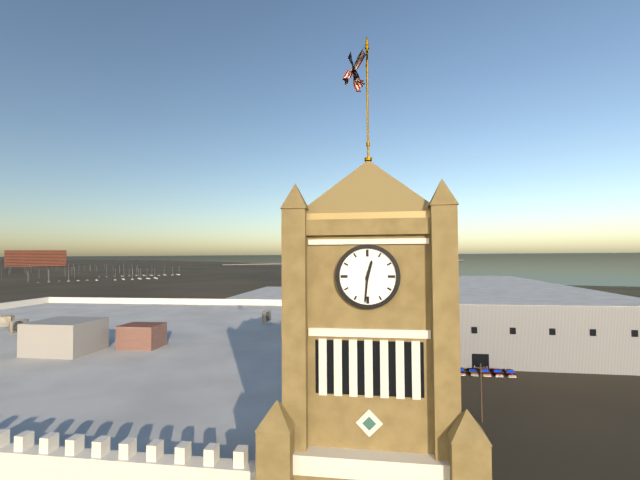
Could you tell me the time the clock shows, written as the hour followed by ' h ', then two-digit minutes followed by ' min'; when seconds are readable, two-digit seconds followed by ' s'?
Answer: 12 h 31 min
